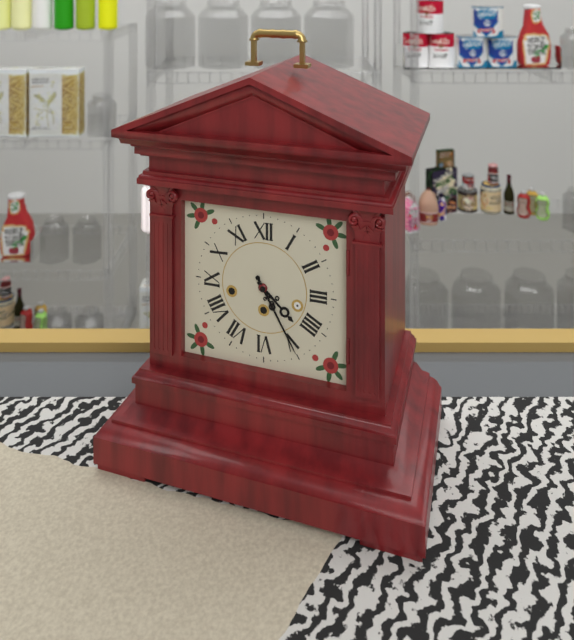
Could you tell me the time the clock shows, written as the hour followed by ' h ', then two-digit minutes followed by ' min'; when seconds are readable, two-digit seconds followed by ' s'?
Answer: 4 h 25 min
